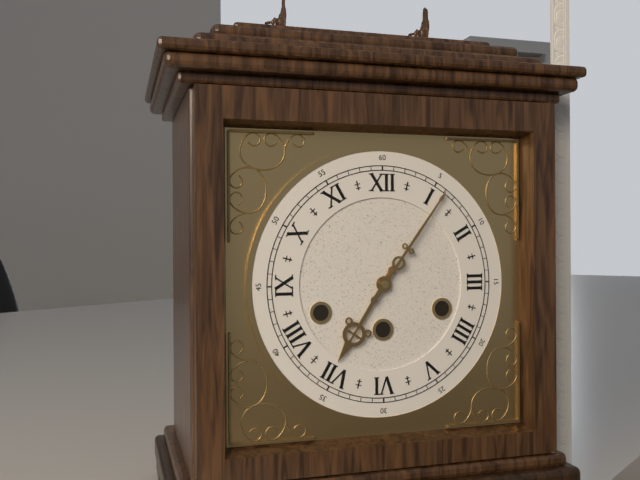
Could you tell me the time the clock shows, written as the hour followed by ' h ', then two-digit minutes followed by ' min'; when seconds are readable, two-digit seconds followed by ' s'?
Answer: 7 h 06 min
